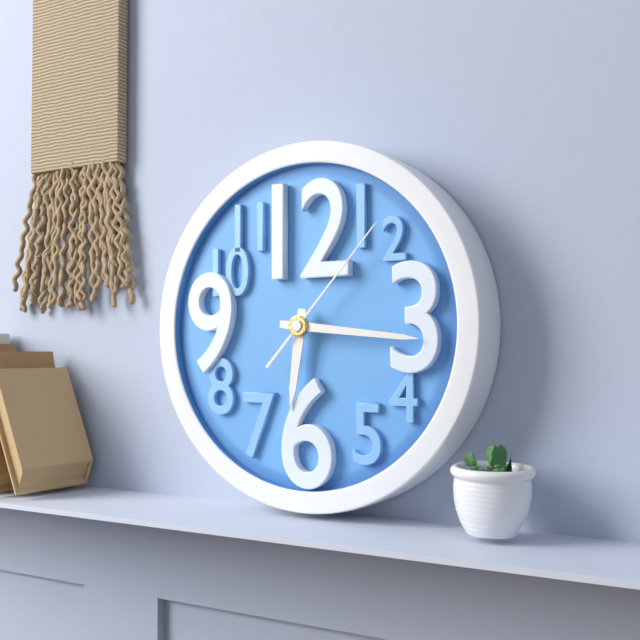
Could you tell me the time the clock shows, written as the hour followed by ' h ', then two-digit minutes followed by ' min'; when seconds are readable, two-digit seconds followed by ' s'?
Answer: 6 h 16 min 07 s
